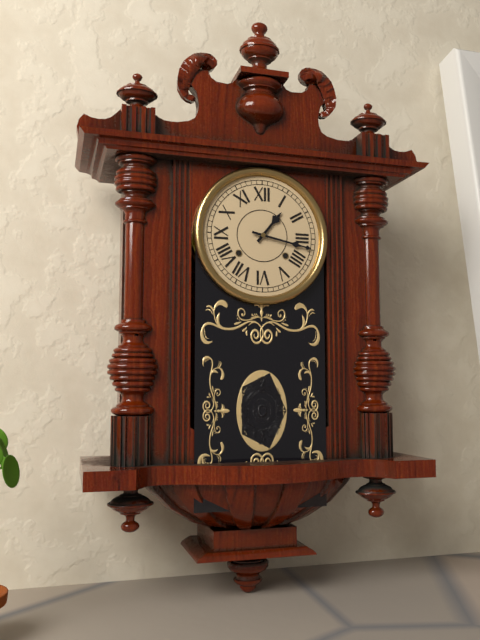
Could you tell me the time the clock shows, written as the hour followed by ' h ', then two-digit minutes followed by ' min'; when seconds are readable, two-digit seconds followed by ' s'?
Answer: 1 h 17 min
